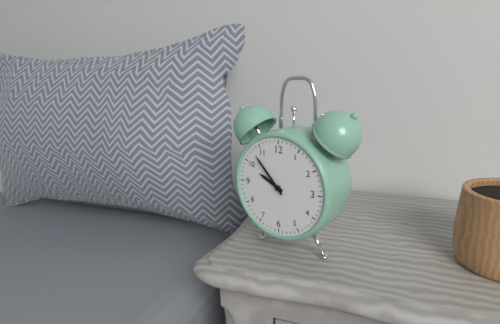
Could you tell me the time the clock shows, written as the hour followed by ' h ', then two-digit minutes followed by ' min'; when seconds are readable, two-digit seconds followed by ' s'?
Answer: 9 h 53 min
